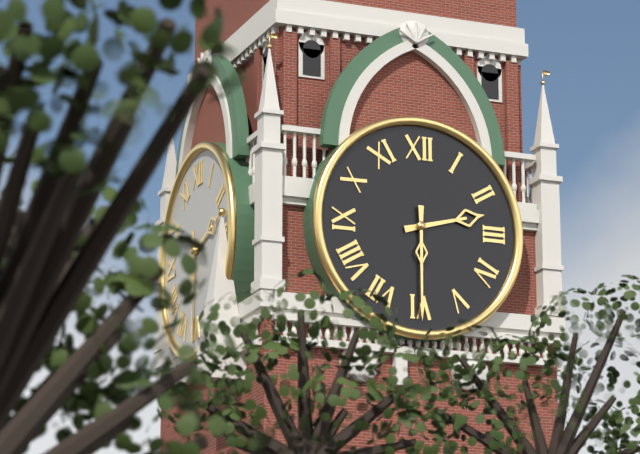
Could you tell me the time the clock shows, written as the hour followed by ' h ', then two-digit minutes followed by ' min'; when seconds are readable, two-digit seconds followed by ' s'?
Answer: 2 h 30 min
